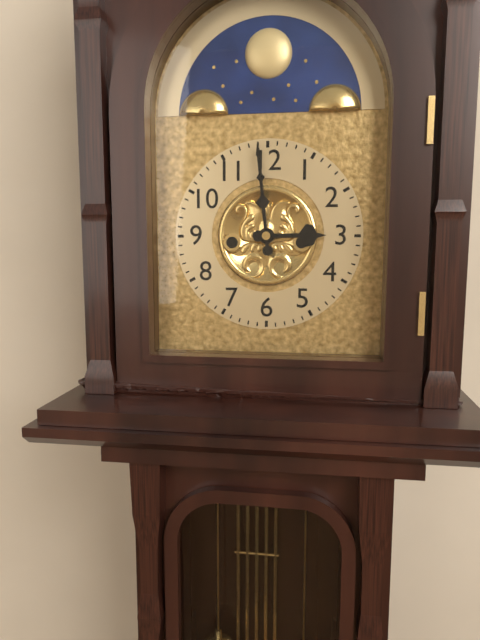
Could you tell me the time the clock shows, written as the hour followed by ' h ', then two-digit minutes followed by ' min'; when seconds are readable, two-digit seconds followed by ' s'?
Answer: 2 h 59 min
